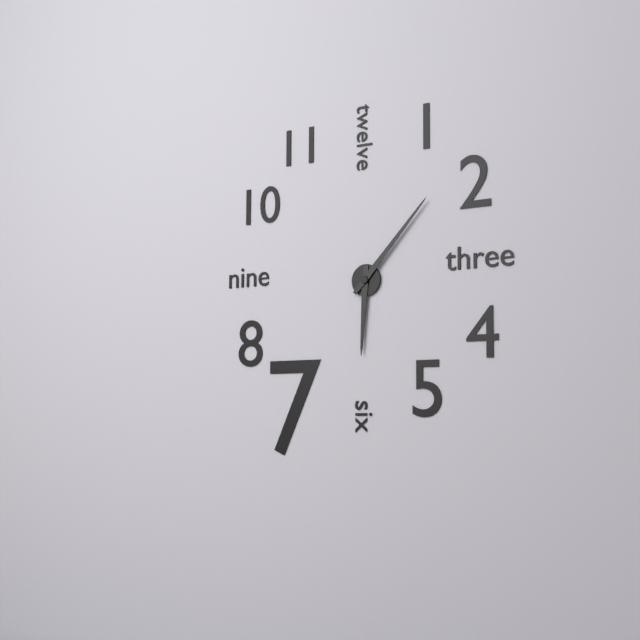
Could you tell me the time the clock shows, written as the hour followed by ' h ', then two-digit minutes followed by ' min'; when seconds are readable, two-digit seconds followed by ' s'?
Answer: 6 h 07 min
